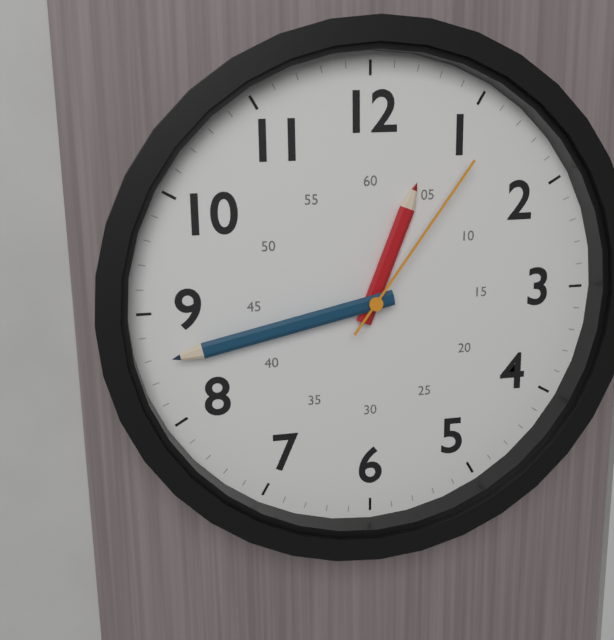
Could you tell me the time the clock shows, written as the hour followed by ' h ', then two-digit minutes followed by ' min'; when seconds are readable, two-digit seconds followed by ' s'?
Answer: 12 h 43 min 06 s
